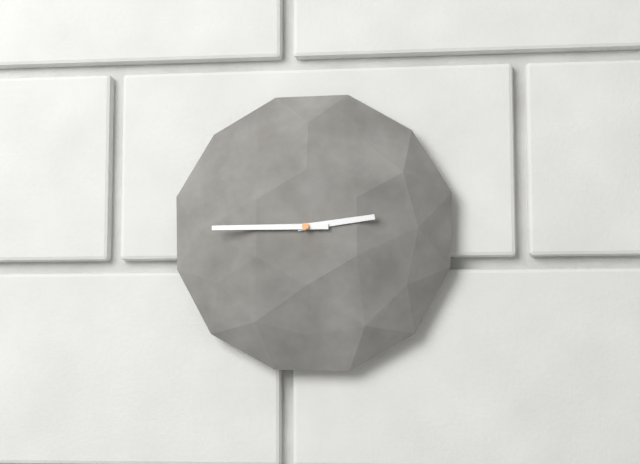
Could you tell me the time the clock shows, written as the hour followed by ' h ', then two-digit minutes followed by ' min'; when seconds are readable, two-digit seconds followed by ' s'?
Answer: 2 h 45 min
